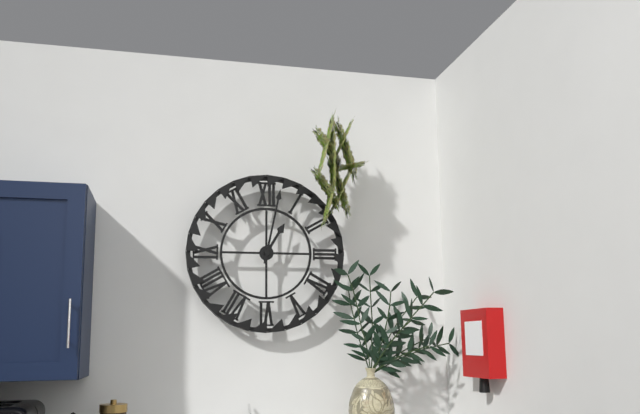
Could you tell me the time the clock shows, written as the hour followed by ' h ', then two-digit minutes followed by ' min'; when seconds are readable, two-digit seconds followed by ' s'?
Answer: 1 h 02 min
